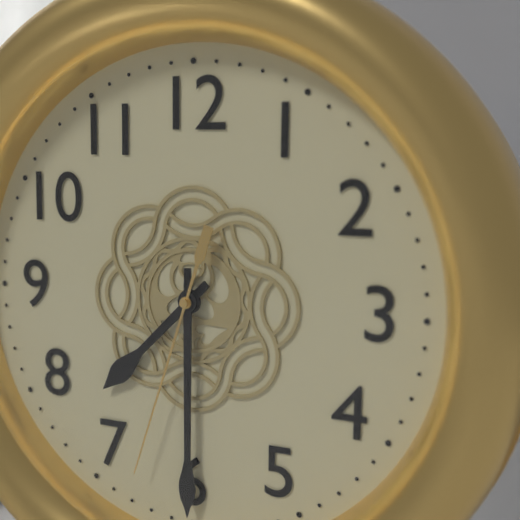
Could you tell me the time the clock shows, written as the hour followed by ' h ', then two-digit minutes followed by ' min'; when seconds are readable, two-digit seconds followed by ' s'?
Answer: 7 h 30 min 33 s
